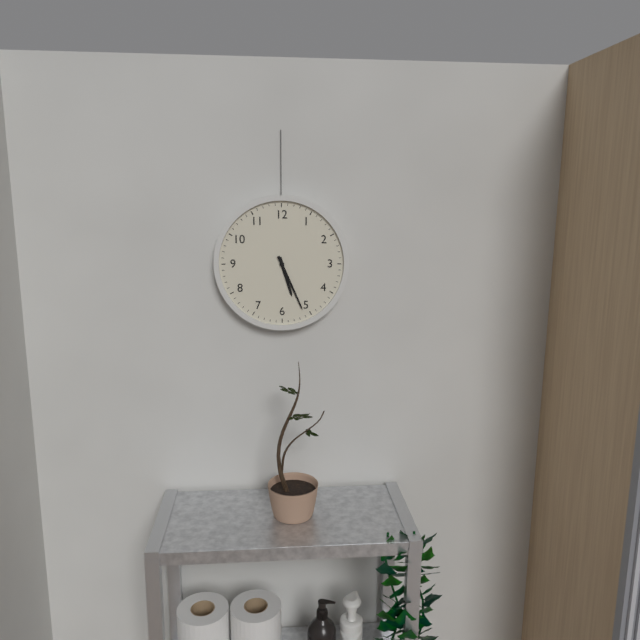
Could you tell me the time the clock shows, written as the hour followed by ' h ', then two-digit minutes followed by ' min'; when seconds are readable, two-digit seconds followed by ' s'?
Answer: 5 h 26 min
